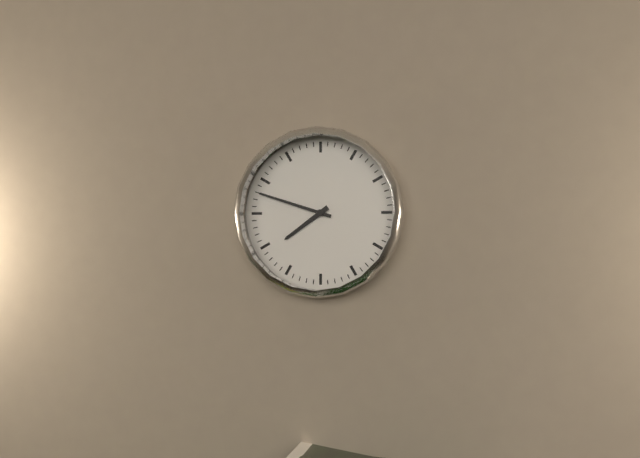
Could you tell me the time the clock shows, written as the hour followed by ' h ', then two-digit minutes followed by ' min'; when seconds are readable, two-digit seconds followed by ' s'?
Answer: 7 h 48 min
